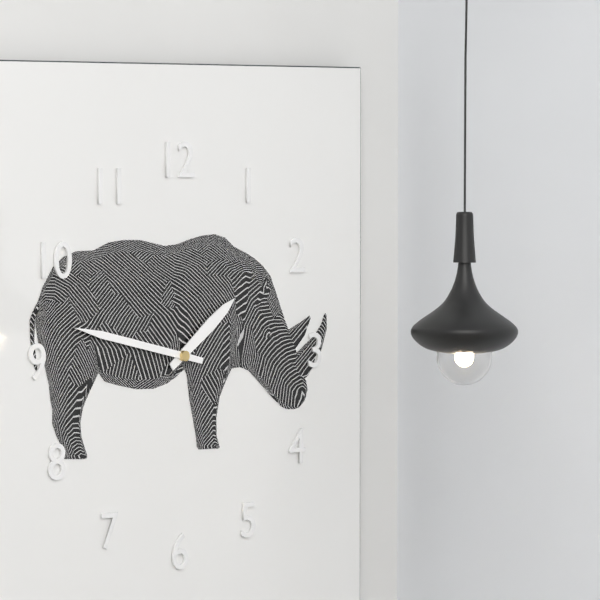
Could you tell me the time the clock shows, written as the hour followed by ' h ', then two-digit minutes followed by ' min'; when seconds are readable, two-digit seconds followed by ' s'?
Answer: 1 h 47 min
